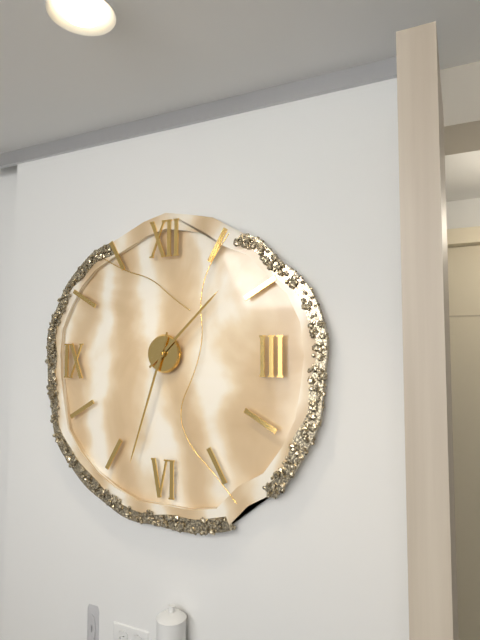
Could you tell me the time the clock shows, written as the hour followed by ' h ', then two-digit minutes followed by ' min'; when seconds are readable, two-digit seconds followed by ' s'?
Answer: 1 h 33 min
